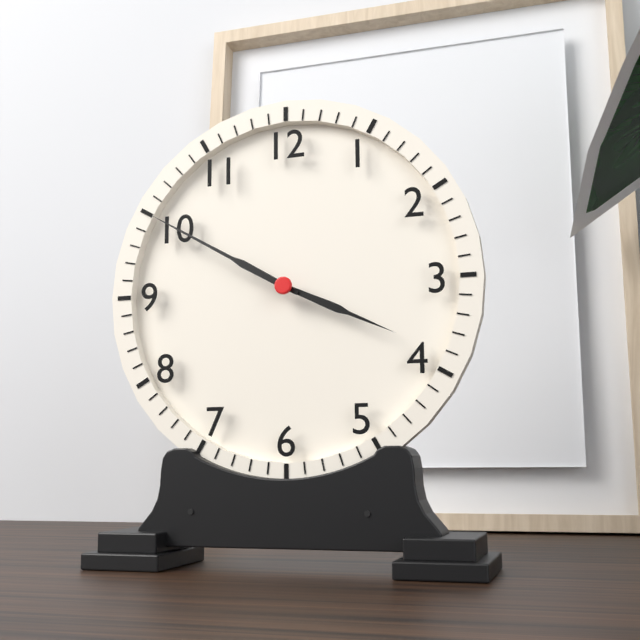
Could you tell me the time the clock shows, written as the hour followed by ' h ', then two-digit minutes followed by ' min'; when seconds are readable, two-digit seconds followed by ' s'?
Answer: 3 h 50 min
